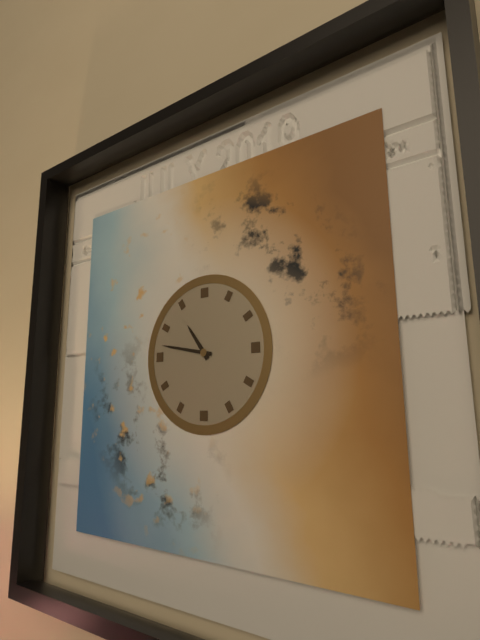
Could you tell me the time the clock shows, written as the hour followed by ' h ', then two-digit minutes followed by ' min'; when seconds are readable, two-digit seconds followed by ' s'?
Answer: 10 h 47 min
